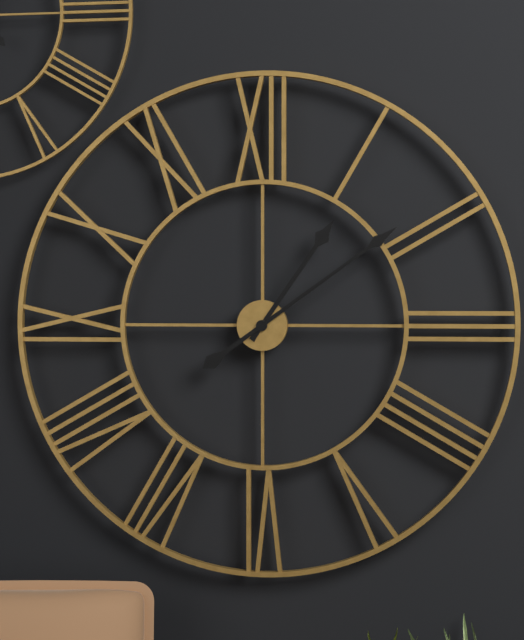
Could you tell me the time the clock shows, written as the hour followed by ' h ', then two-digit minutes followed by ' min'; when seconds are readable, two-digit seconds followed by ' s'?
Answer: 1 h 09 min
